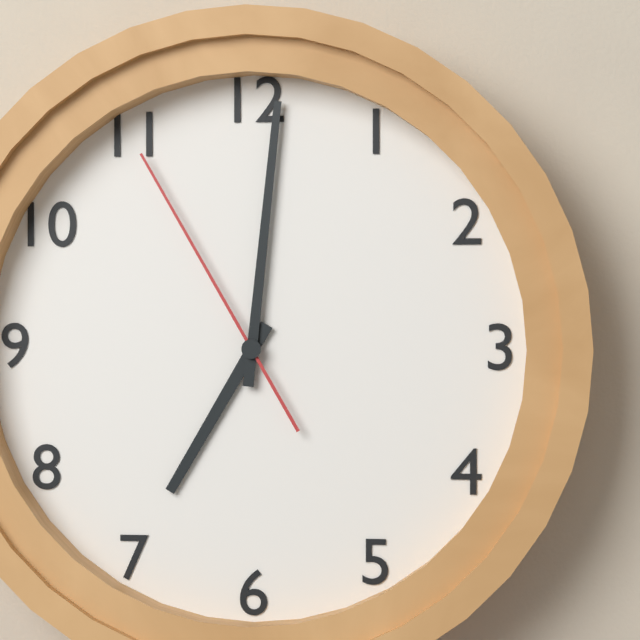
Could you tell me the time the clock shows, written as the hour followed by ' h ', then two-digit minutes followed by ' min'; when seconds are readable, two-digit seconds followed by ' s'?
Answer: 7 h 01 min 55 s
